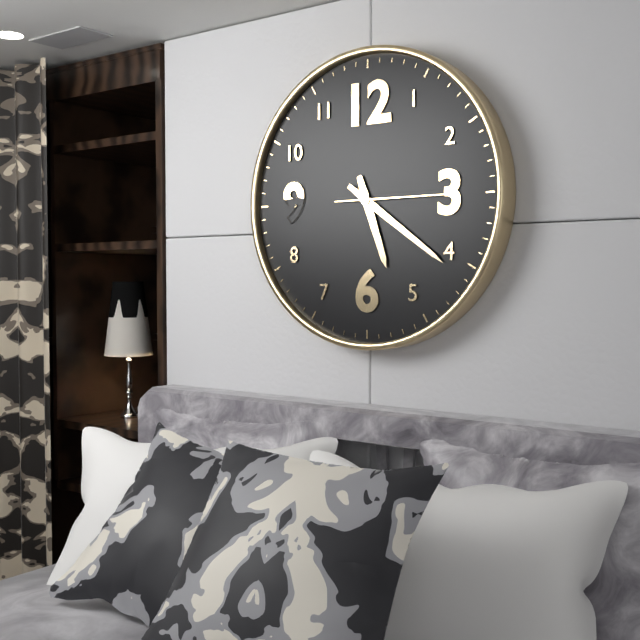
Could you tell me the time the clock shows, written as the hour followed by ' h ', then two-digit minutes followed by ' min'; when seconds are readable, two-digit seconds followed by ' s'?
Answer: 5 h 21 min 15 s
